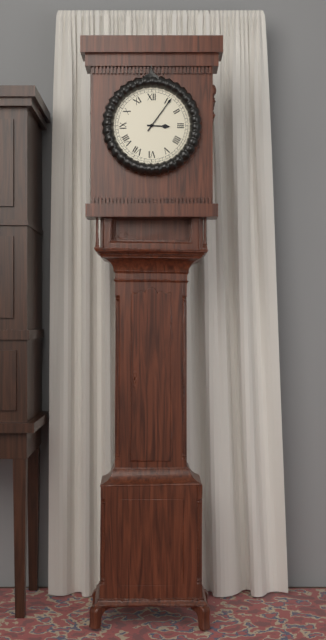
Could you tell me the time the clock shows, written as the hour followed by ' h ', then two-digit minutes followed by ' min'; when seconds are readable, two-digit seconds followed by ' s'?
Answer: 3 h 06 min
